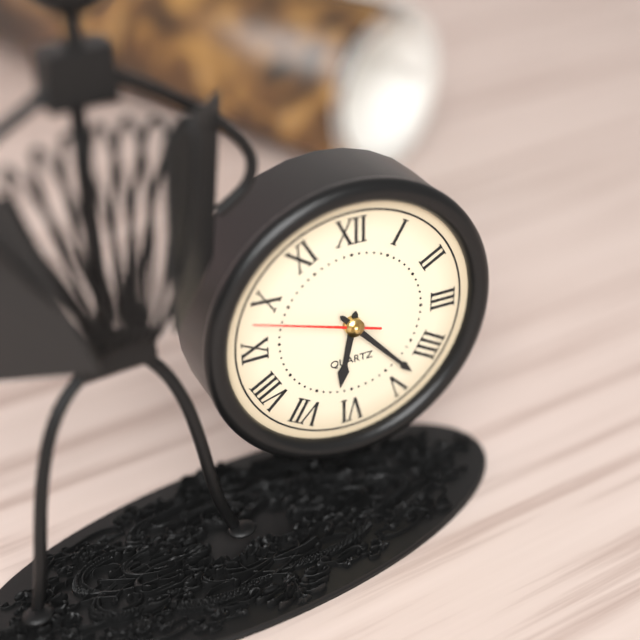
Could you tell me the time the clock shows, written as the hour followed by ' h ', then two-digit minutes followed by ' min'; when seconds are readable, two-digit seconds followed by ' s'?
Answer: 6 h 23 min 48 s
